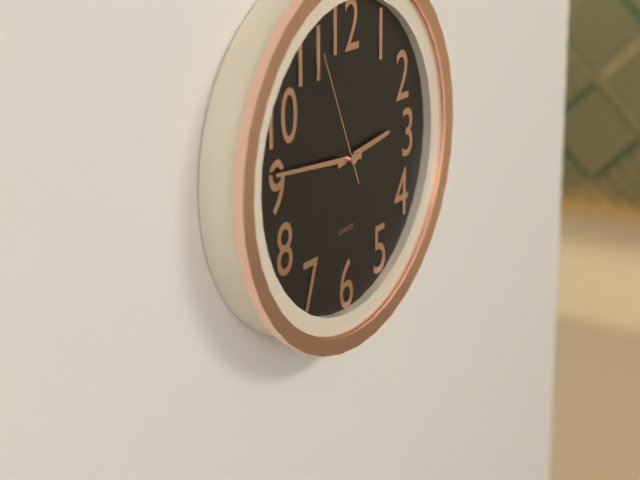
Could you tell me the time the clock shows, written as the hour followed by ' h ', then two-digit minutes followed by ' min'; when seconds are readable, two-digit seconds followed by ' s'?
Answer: 2 h 46 min 56 s
